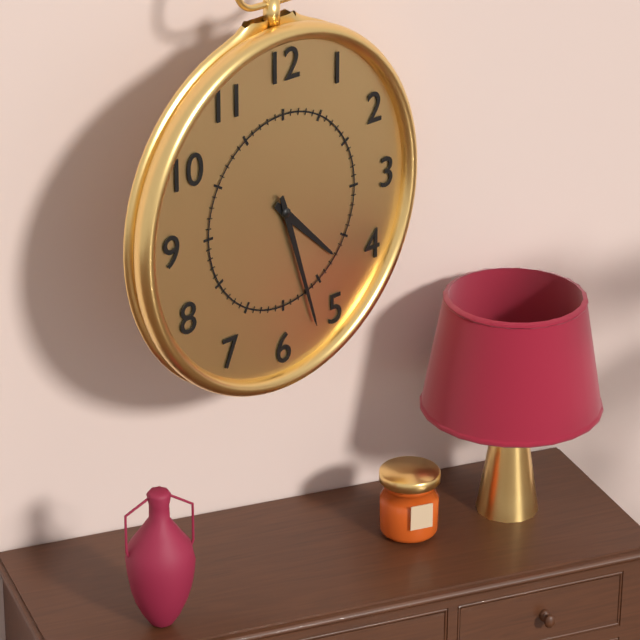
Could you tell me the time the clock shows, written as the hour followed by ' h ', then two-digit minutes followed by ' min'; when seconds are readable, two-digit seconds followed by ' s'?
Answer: 4 h 27 min
